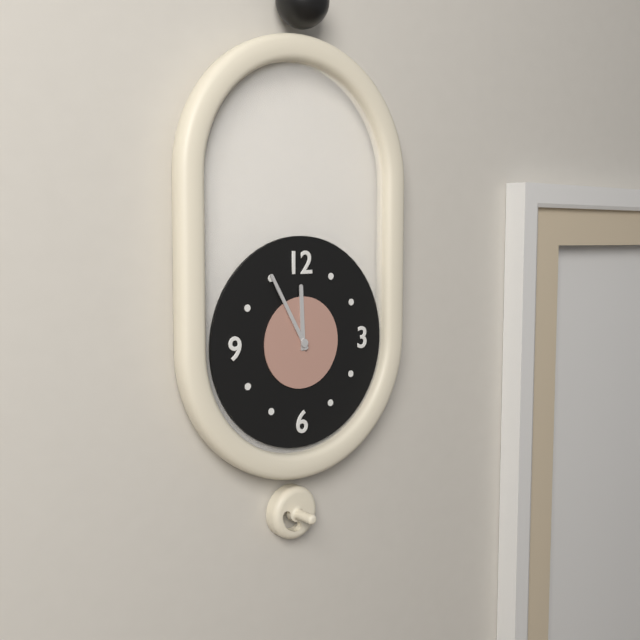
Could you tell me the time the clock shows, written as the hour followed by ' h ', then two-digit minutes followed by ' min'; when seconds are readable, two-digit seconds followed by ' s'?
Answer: 11 h 55 min
